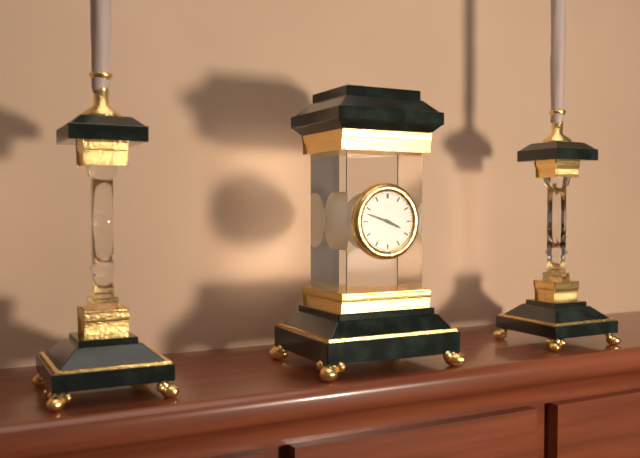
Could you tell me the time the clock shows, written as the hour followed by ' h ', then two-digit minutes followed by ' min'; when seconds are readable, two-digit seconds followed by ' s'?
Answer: 3 h 48 min
